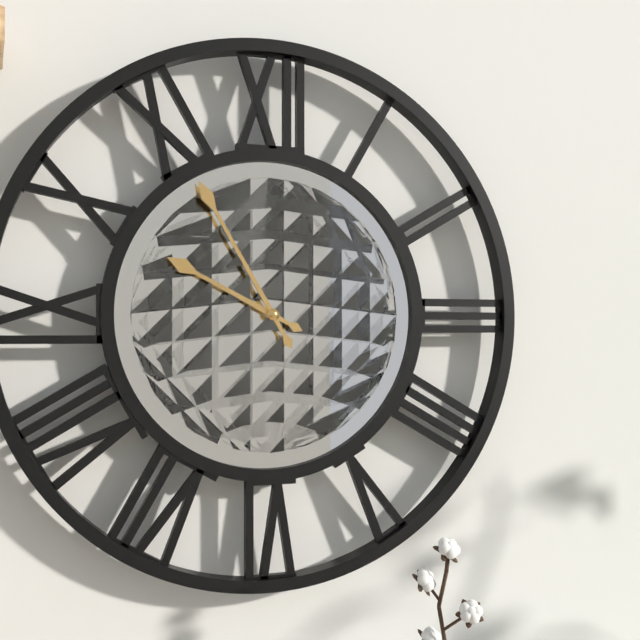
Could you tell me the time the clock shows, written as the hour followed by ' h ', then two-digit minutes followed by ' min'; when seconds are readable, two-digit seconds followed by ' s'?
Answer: 9 h 55 min
